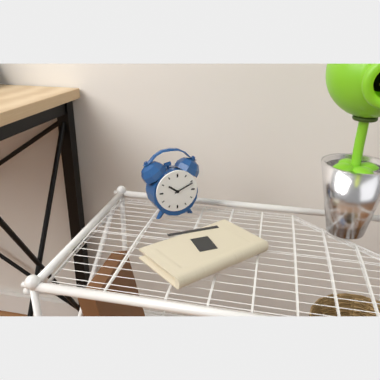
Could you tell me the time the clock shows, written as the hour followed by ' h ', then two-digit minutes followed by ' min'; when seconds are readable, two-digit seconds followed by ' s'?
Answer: 10 h 11 min
